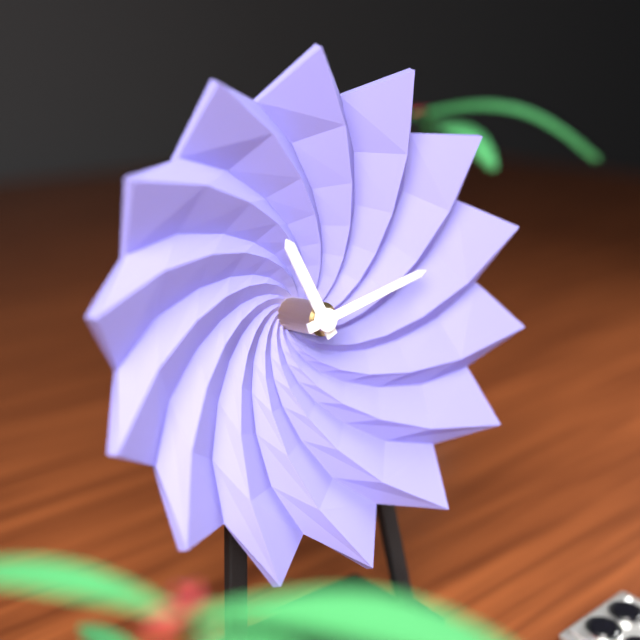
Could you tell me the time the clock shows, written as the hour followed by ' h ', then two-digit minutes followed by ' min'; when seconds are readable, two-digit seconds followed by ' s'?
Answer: 11 h 13 min
